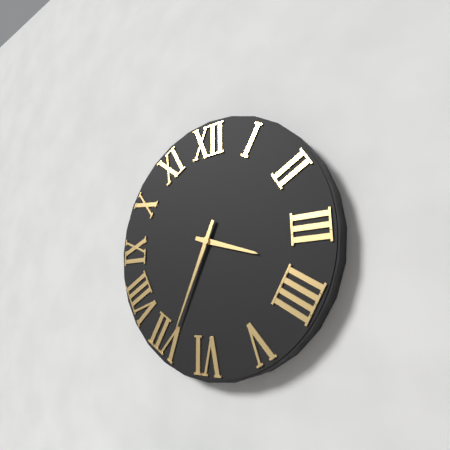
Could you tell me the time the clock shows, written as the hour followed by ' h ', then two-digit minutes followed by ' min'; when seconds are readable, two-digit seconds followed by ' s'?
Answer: 3 h 34 min
